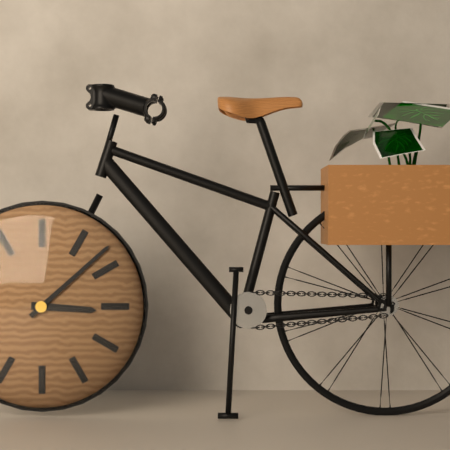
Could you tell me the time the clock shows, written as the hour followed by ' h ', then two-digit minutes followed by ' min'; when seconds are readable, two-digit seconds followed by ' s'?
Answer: 3 h 08 min
